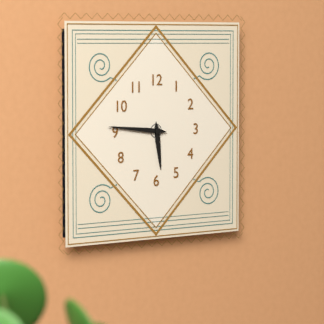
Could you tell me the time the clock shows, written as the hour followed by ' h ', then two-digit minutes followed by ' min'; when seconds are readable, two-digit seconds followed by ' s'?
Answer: 5 h 46 min
